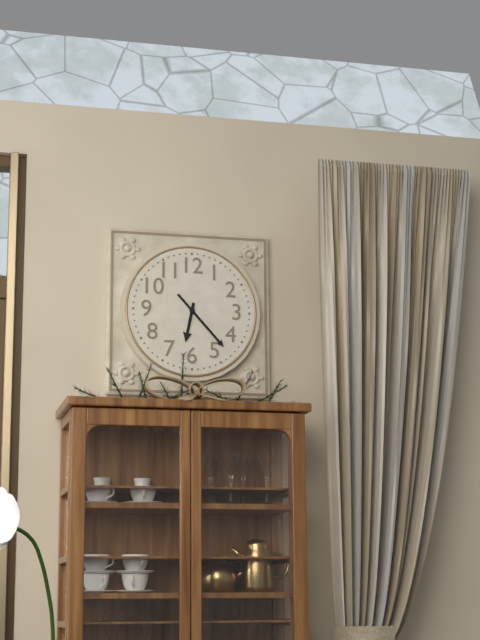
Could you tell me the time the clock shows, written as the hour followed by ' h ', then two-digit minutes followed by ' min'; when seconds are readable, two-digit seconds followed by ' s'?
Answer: 6 h 23 min
